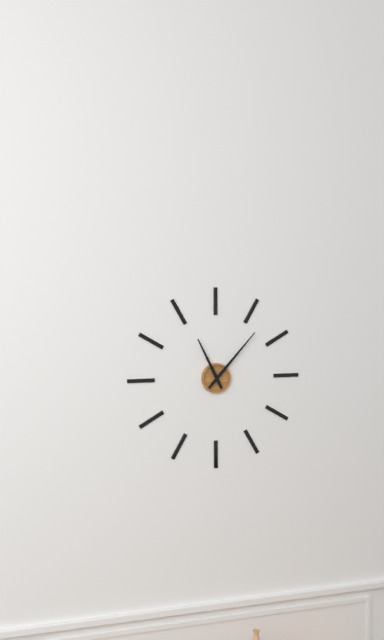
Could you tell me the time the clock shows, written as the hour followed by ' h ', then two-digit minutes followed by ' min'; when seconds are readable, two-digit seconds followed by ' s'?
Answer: 11 h 07 min
